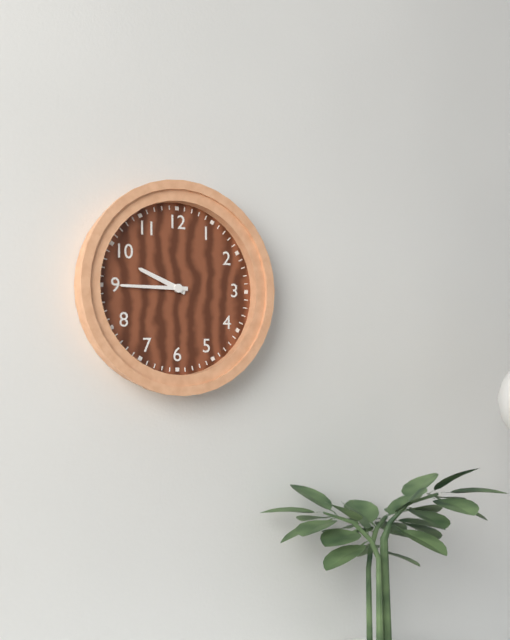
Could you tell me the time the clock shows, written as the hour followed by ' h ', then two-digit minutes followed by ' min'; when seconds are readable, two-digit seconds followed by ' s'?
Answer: 9 h 45 min
